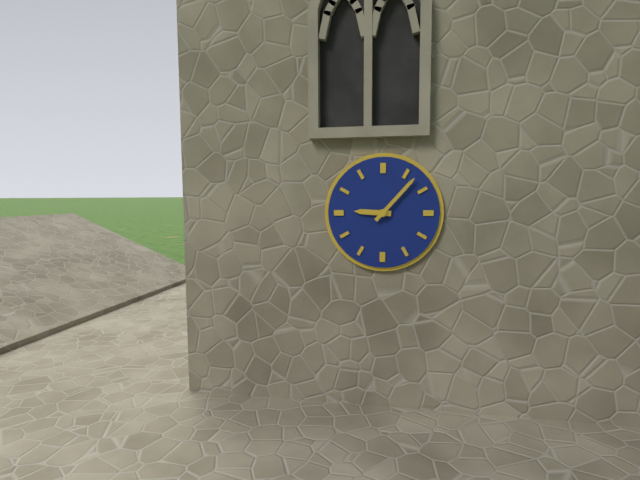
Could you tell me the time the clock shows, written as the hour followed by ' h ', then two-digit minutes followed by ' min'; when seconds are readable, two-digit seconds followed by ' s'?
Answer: 9 h 07 min
